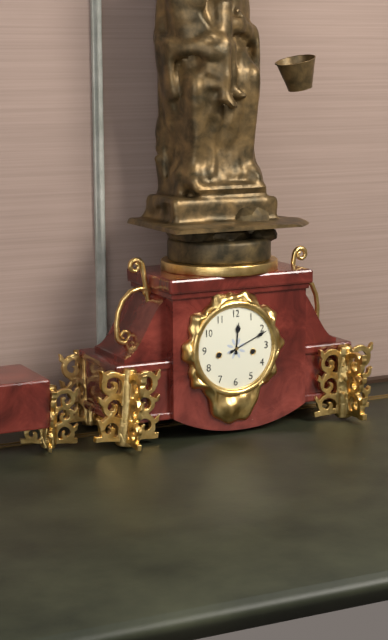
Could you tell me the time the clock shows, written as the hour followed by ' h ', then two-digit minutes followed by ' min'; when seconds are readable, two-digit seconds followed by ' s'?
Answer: 12 h 11 min
